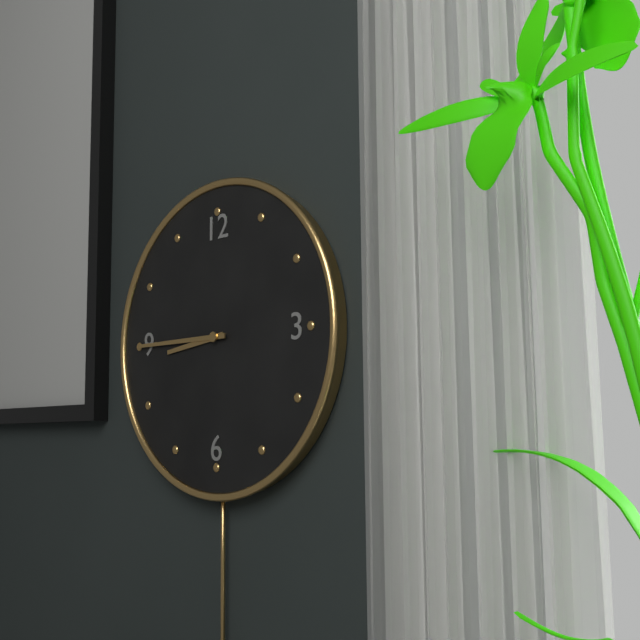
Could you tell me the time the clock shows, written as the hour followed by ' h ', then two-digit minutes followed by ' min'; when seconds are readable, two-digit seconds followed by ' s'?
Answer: 8 h 45 min
